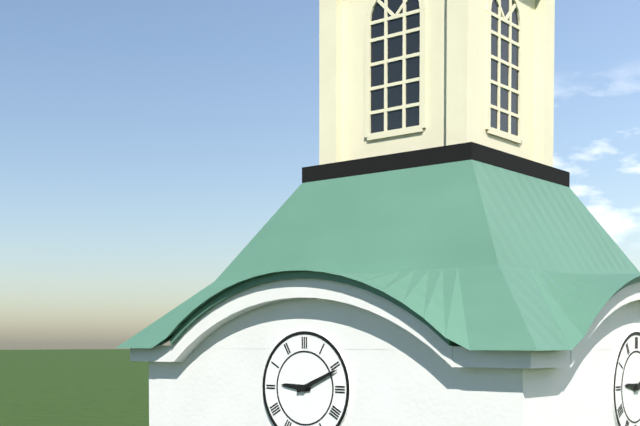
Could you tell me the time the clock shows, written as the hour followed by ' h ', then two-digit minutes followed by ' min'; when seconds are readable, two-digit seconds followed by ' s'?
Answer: 9 h 11 min
